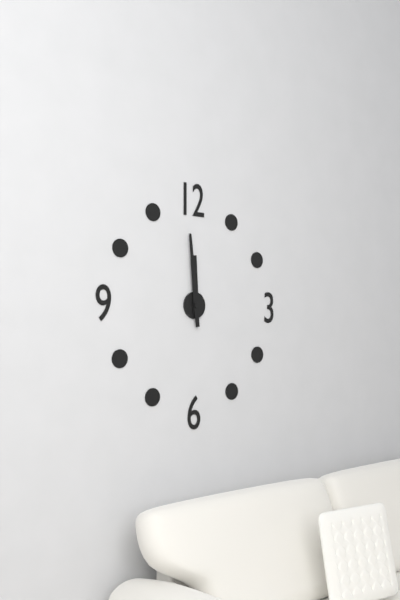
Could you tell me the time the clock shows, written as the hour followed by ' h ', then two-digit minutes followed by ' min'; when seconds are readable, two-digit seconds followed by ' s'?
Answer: 11 h 59 min
